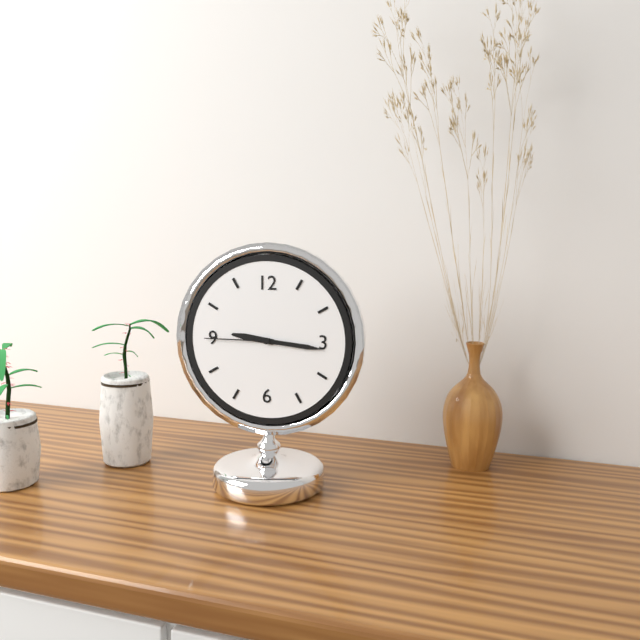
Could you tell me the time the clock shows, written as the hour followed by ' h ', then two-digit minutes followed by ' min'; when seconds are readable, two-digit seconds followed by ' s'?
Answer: 9 h 16 min 45 s
